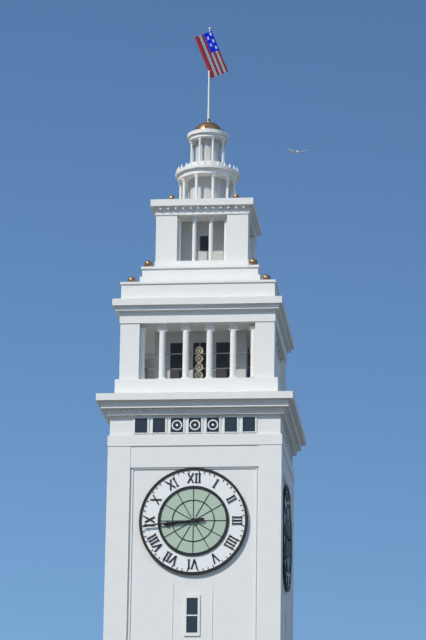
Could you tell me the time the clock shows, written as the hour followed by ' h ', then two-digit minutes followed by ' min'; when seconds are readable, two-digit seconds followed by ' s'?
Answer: 8 h 44 min
